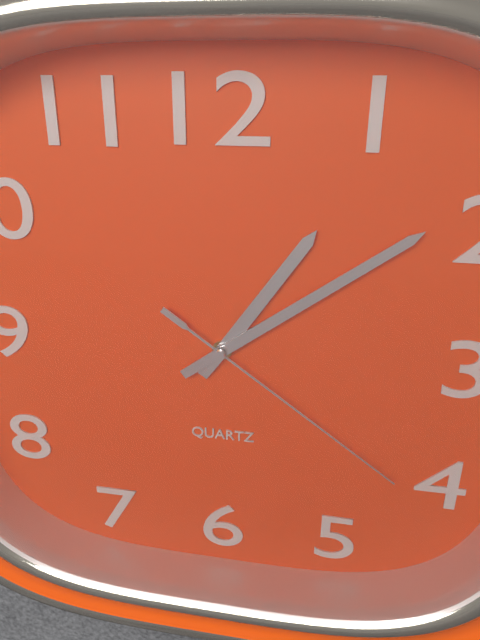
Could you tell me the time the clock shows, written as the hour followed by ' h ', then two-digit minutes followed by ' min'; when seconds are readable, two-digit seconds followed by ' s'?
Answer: 1 h 09 min 21 s
